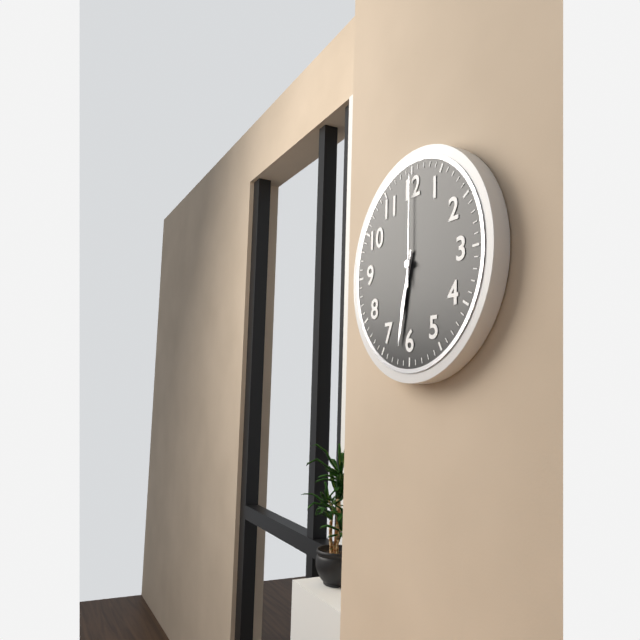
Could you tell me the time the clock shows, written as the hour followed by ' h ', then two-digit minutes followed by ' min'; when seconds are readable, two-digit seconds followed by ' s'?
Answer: 6 h 32 min 00 s
